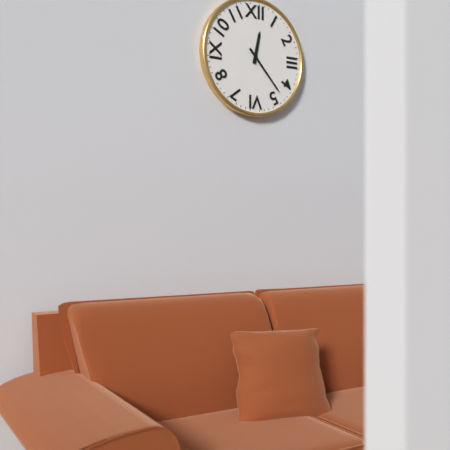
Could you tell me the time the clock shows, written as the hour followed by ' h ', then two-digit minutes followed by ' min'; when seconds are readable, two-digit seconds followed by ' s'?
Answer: 12 h 23 min
